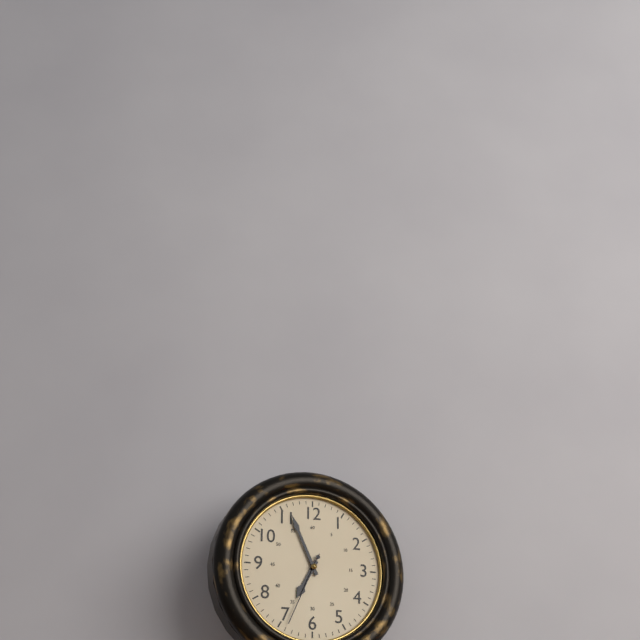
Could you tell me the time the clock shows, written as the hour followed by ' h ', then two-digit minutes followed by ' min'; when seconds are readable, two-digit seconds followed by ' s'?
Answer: 6 h 56 min 34 s
